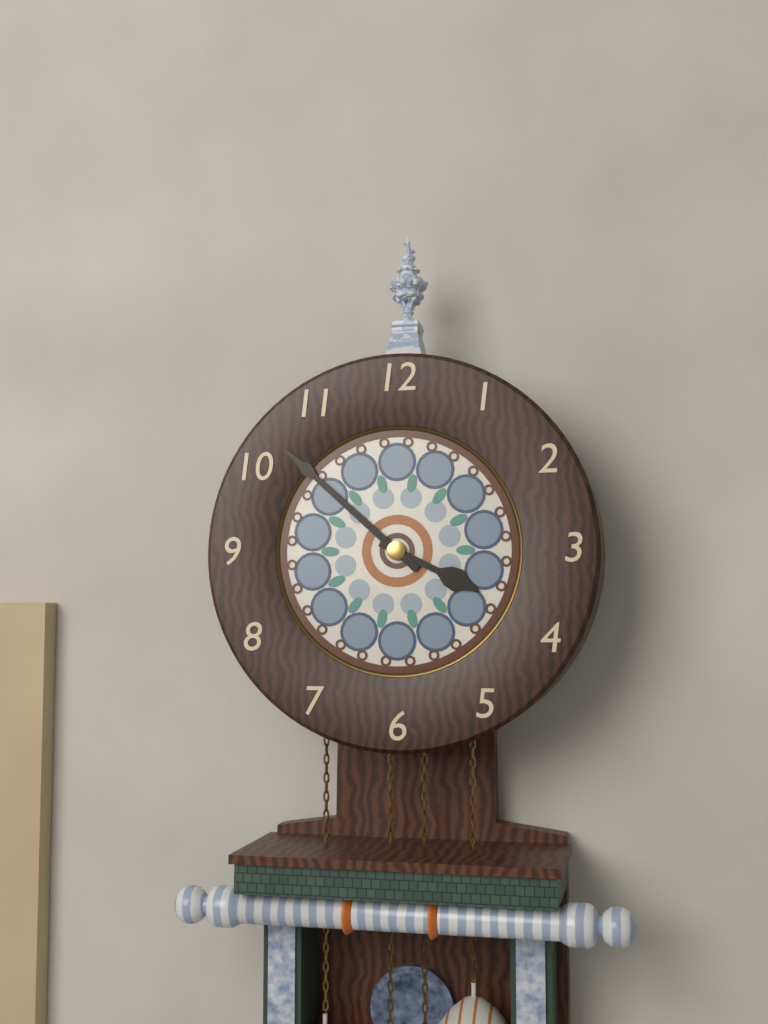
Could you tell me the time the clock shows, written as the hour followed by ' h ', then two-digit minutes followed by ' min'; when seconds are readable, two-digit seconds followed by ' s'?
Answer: 3 h 52 min
